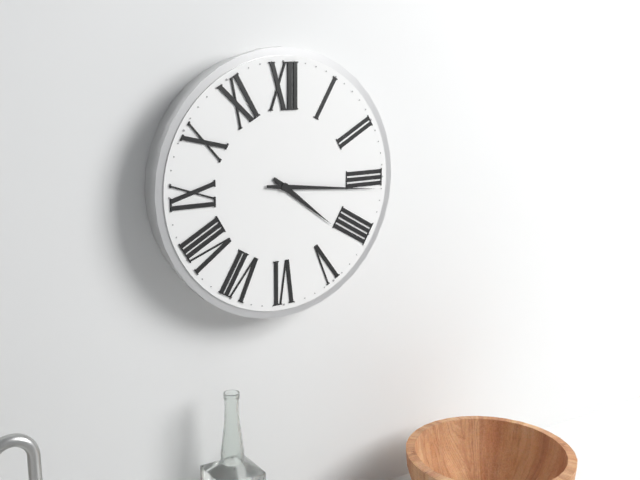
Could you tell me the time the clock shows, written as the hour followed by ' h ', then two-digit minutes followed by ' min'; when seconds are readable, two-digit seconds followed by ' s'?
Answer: 4 h 16 min
